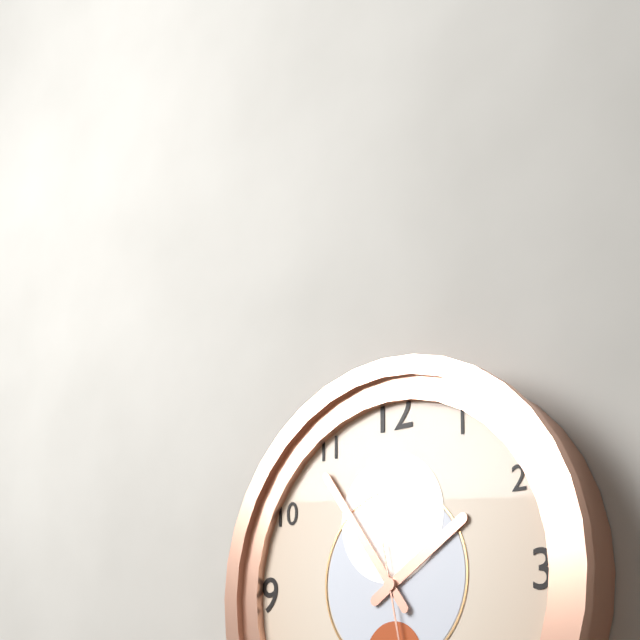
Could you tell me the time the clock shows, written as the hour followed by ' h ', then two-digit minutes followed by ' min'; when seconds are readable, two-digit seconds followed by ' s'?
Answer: 1 h 54 min
